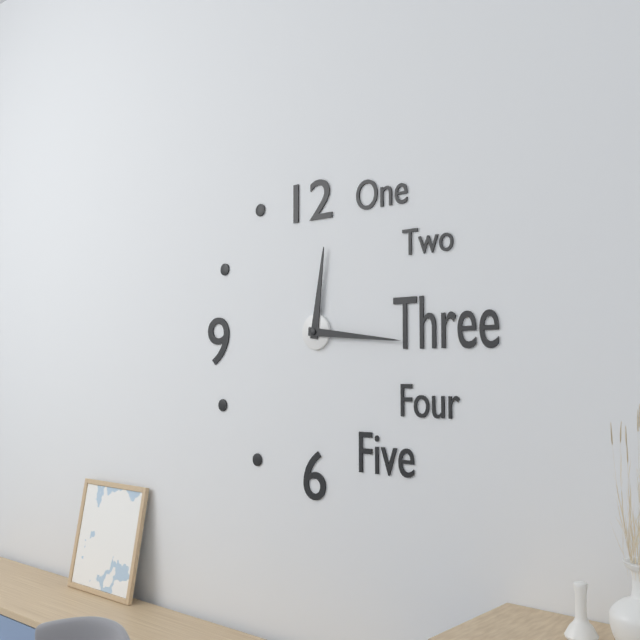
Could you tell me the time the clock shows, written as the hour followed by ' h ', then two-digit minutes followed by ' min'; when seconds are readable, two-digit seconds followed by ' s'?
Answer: 12 h 16 min
